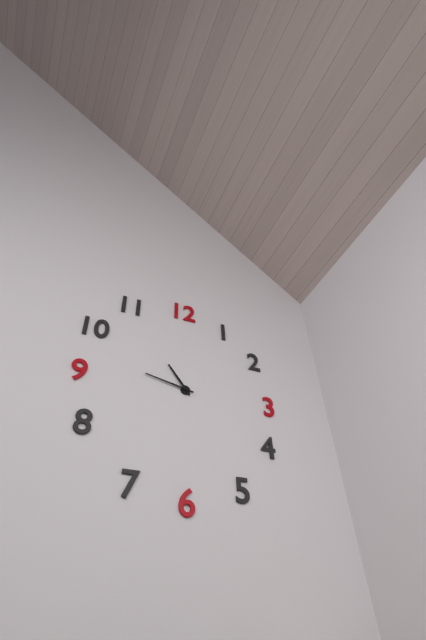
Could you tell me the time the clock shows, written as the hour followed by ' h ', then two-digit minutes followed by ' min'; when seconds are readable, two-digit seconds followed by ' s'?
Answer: 10 h 47 min
